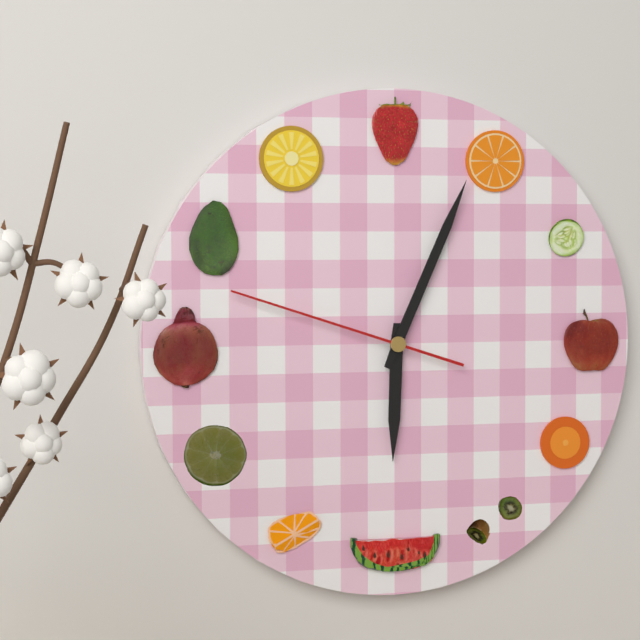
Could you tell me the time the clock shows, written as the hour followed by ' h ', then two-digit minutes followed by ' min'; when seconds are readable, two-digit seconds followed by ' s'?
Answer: 6 h 04 min 48 s
